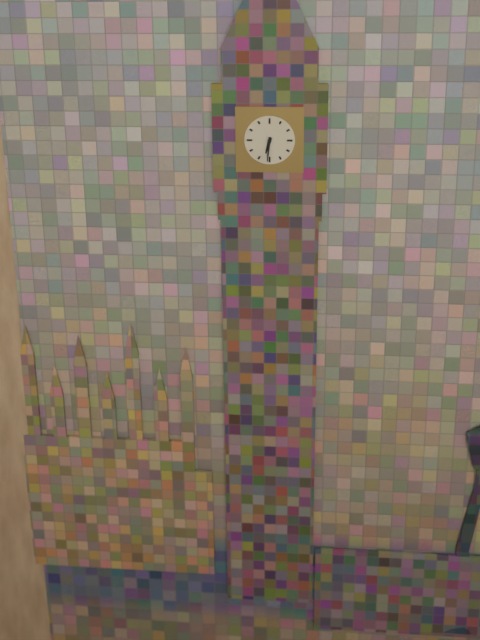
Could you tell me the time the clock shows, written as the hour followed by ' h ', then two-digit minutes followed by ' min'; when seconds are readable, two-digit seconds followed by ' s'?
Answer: 6 h 31 min
